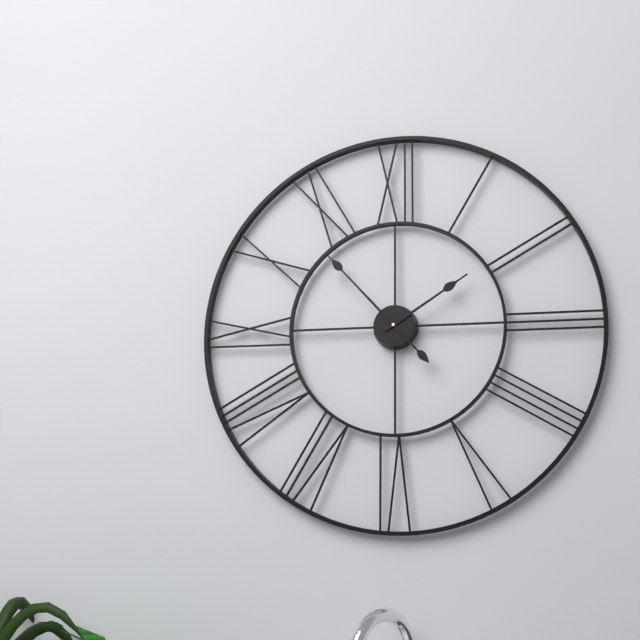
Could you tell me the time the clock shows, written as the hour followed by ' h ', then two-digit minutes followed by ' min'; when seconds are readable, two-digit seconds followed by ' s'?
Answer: 1 h 53 min
